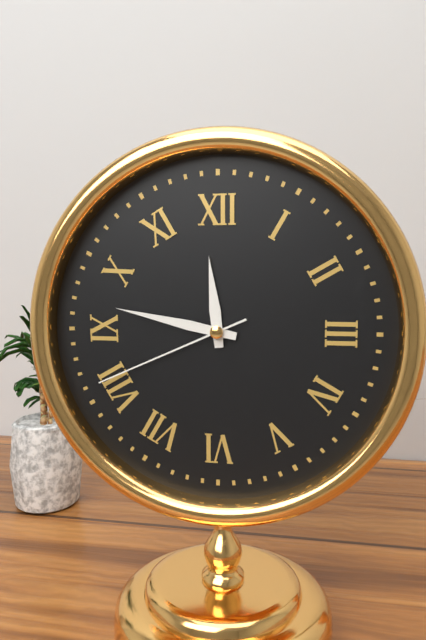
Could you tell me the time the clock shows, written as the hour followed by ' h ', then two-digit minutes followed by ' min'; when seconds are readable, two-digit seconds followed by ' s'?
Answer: 11 h 47 min 41 s
